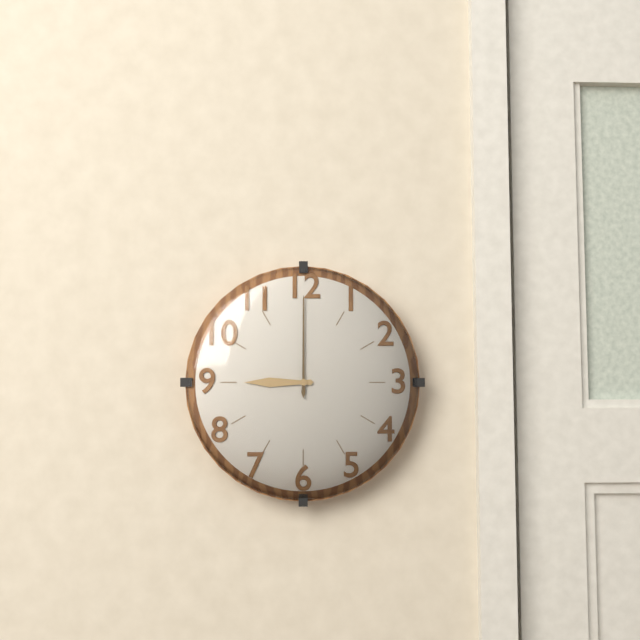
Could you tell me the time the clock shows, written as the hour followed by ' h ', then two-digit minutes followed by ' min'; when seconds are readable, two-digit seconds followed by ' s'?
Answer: 9 h 00 min
